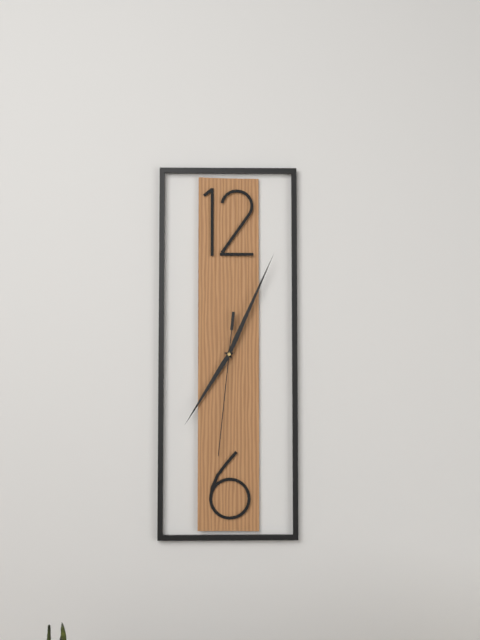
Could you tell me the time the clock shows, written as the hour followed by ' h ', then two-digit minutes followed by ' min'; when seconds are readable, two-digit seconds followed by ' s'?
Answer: 7 h 04 min 31 s
